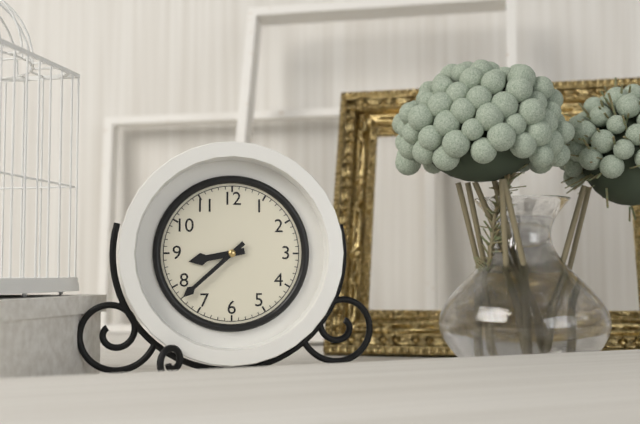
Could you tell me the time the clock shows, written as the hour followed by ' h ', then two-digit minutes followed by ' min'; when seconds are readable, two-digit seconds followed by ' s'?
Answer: 8 h 38 min
